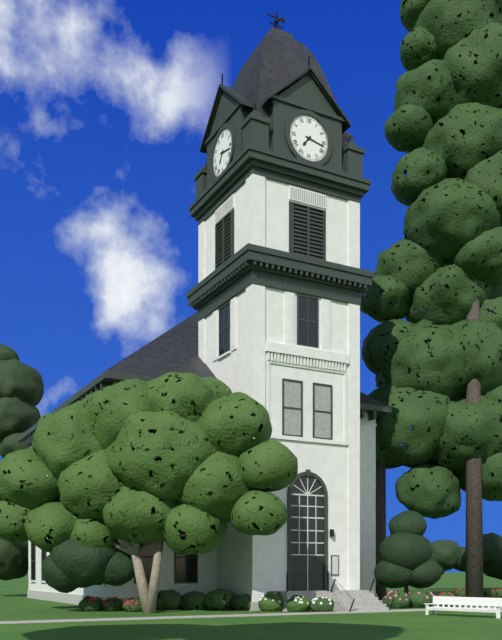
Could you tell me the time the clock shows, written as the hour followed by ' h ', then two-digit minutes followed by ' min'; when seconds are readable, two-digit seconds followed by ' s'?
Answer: 7 h 17 min
